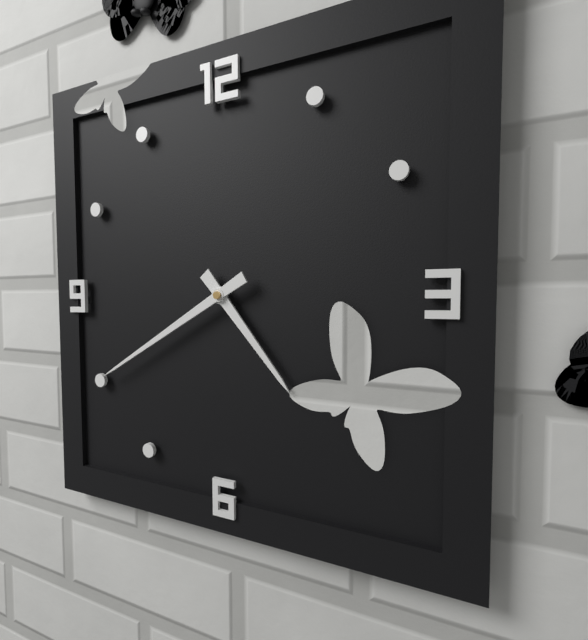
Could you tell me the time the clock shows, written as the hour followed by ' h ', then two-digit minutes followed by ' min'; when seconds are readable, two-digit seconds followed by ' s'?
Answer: 4 h 40 min
